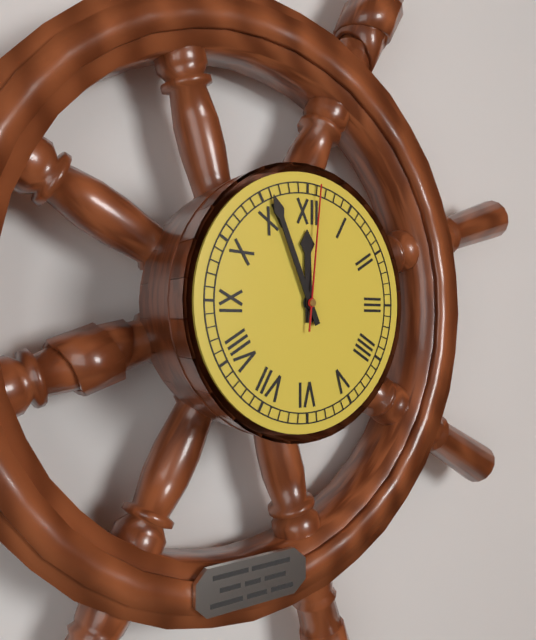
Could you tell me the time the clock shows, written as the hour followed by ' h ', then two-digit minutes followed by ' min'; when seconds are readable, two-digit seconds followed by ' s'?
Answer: 11 h 56 min 01 s
